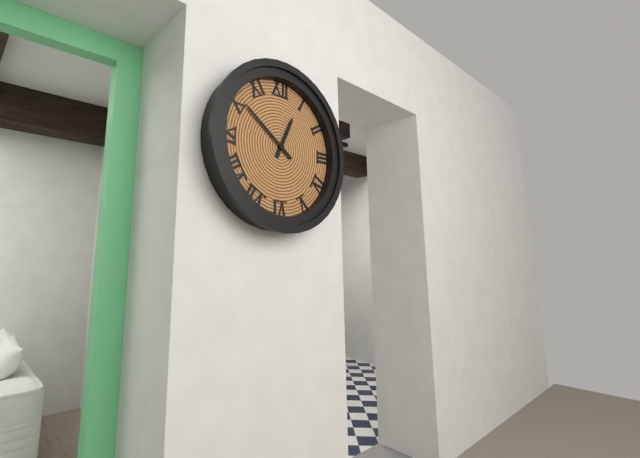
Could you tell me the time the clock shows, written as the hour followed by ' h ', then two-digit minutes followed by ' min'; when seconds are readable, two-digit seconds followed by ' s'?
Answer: 12 h 51 min
